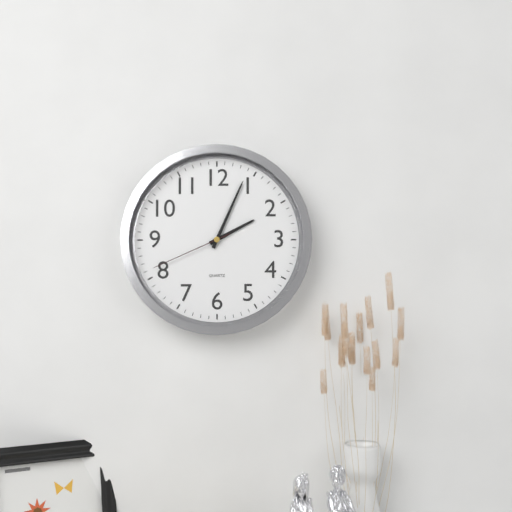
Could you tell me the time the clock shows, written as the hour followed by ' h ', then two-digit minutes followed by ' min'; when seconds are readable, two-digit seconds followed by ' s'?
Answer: 2 h 04 min 41 s
